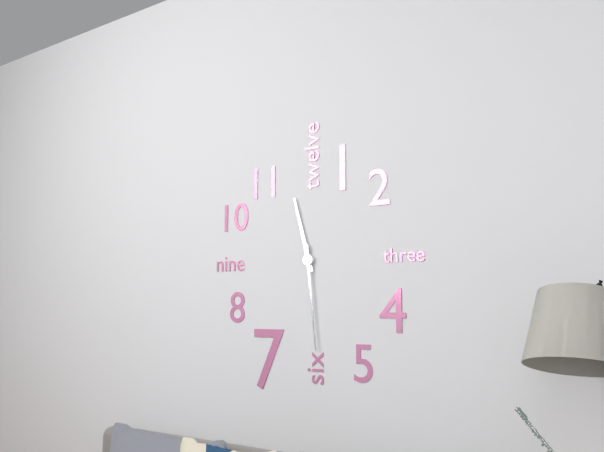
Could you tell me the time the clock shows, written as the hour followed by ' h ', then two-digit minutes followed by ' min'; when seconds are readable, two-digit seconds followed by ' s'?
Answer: 11 h 29 min
